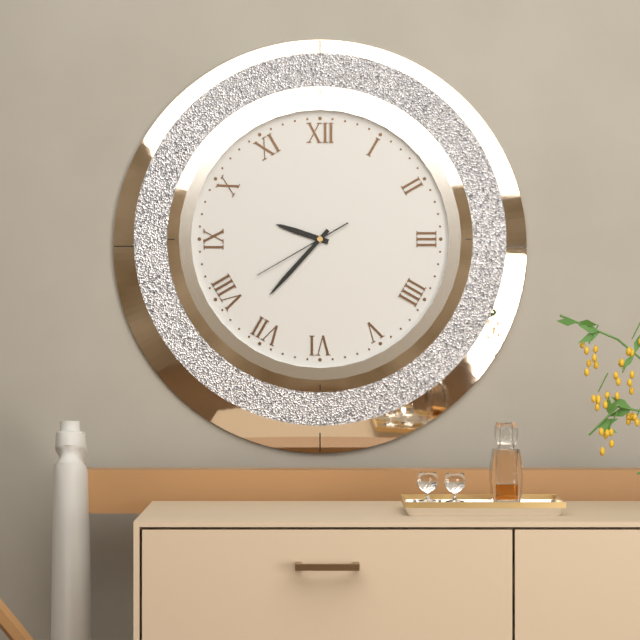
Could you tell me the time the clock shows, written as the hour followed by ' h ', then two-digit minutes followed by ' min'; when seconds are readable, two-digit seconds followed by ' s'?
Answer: 9 h 37 min 40 s
